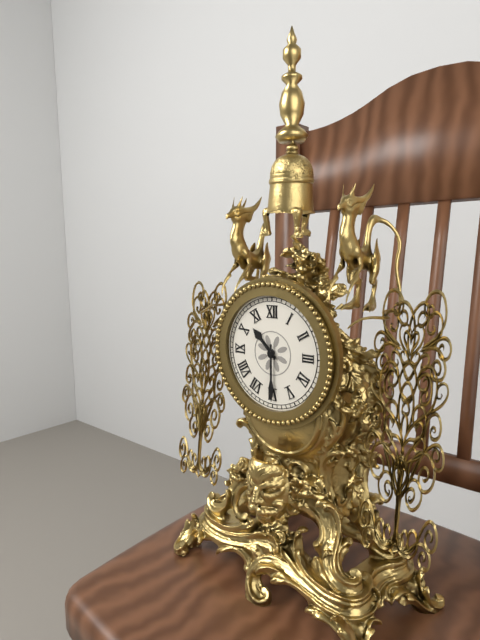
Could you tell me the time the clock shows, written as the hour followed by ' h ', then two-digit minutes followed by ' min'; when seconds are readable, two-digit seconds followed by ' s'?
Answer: 10 h 30 min
